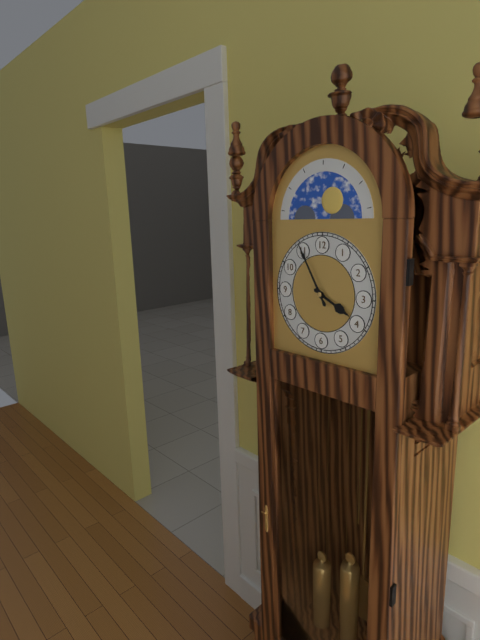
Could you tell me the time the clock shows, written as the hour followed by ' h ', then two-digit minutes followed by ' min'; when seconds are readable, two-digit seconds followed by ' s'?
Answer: 3 h 55 min
